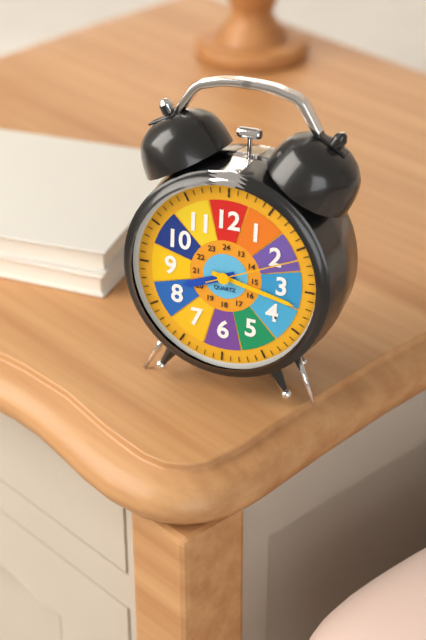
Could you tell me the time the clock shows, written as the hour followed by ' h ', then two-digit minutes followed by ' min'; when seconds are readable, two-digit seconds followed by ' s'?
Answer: 8 h 17 min 11 s
